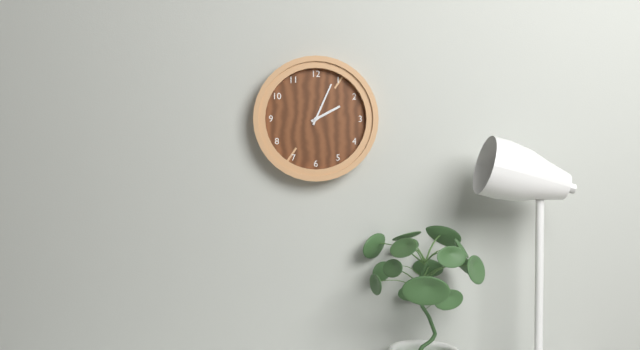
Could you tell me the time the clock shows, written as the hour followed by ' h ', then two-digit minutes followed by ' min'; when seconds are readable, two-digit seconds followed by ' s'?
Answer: 2 h 04 min
